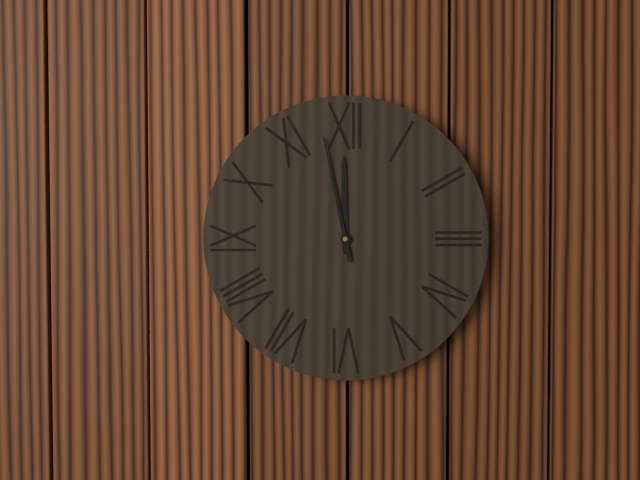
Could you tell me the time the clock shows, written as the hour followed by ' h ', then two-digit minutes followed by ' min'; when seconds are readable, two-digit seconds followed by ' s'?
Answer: 11 h 58 min
